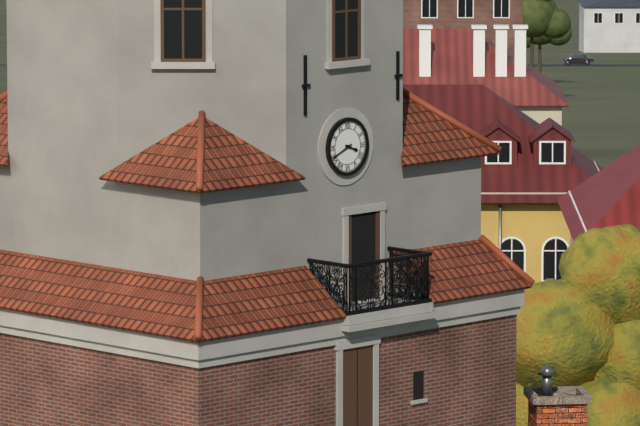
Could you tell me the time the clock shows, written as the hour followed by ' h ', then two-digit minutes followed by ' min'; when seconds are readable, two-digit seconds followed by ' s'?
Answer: 3 h 41 min
